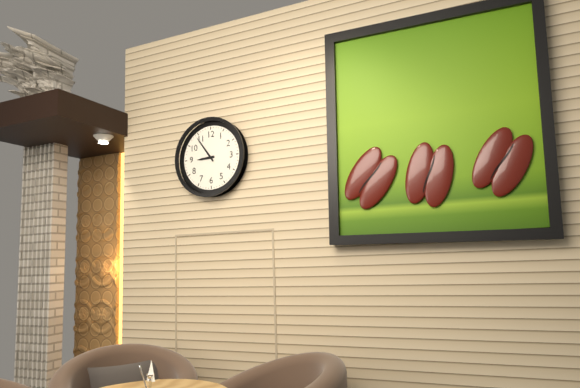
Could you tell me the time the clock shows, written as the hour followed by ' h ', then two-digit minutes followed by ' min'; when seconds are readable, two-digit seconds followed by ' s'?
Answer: 8 h 54 min
